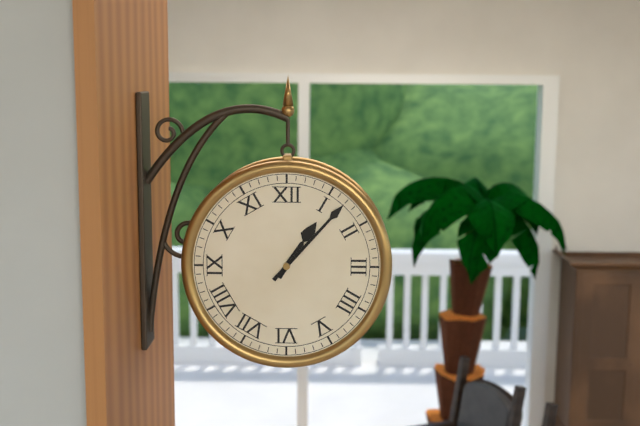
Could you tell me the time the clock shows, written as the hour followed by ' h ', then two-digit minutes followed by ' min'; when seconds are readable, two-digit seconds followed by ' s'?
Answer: 1 h 07 min
